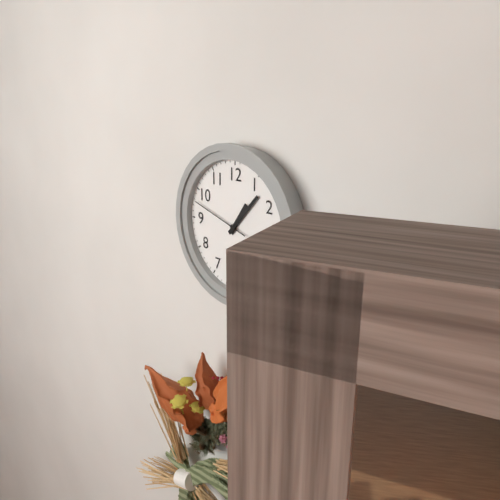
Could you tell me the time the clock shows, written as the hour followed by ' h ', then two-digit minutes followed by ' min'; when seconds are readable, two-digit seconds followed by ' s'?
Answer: 1 h 07 min 48 s
